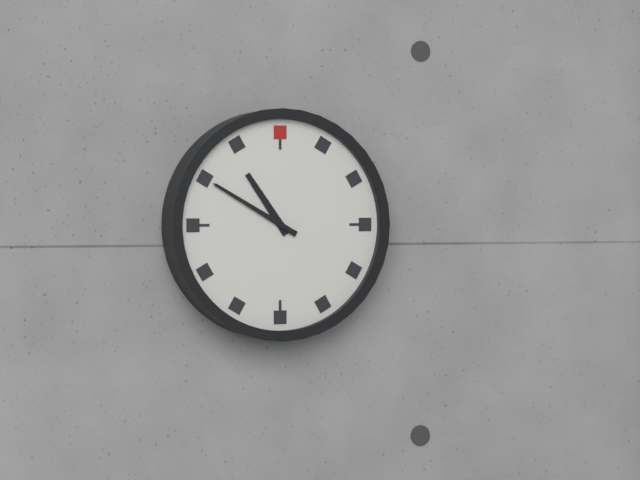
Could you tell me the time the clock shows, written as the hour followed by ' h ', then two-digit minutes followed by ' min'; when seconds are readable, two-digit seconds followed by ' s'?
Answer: 10 h 50 min
